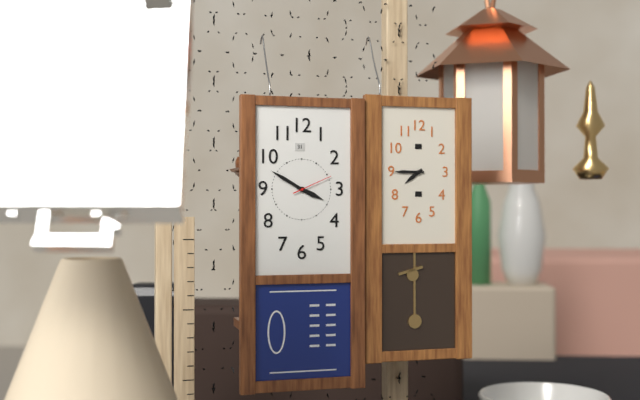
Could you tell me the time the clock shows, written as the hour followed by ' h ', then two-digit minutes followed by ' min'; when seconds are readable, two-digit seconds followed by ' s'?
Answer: 3 h 50 min
